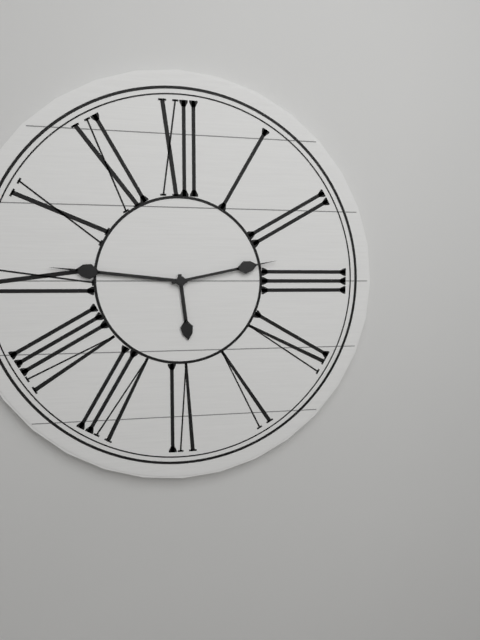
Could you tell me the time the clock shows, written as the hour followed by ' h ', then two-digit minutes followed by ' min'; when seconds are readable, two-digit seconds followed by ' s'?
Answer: 5 h 46 min 13 s
